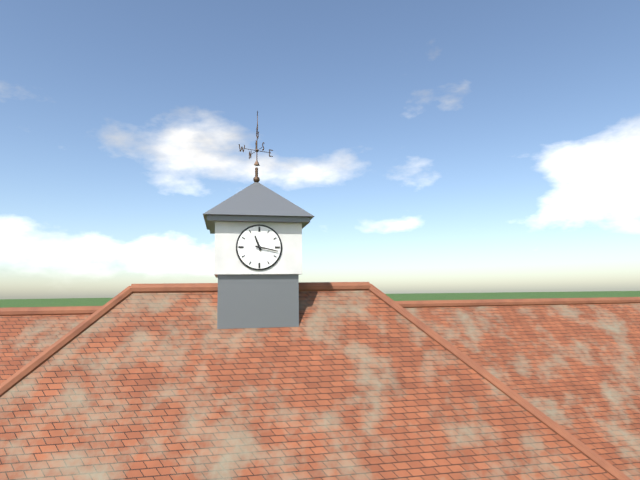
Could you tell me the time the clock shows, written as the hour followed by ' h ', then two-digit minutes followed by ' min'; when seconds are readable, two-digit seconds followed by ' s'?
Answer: 11 h 17 min
